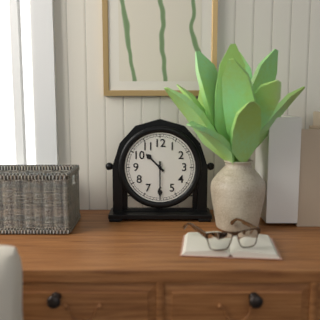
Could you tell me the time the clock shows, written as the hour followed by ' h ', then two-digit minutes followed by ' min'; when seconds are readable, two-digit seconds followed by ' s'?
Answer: 10 h 30 min
